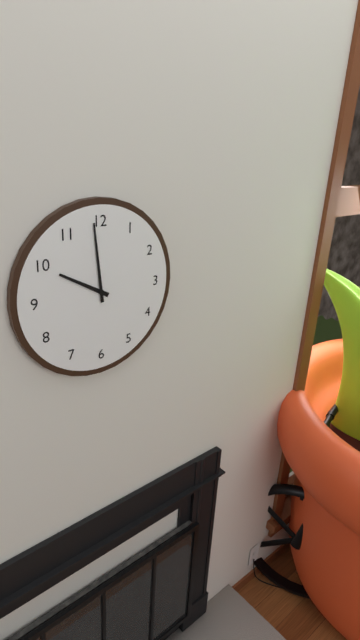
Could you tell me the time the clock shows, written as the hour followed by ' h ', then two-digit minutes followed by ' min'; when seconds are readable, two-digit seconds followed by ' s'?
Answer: 9 h 59 min
